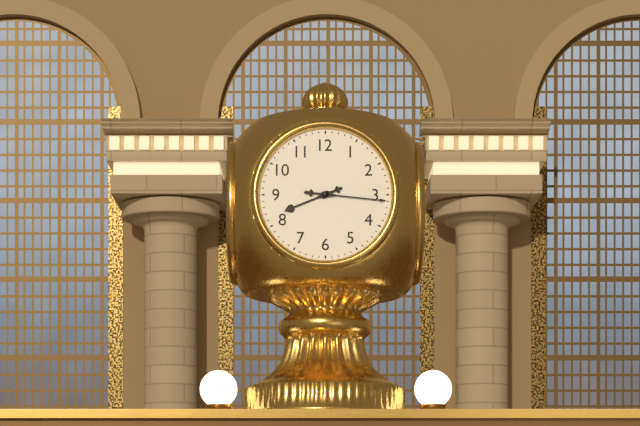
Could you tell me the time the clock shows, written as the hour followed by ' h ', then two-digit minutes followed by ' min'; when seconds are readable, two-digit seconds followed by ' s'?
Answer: 8 h 16 min
